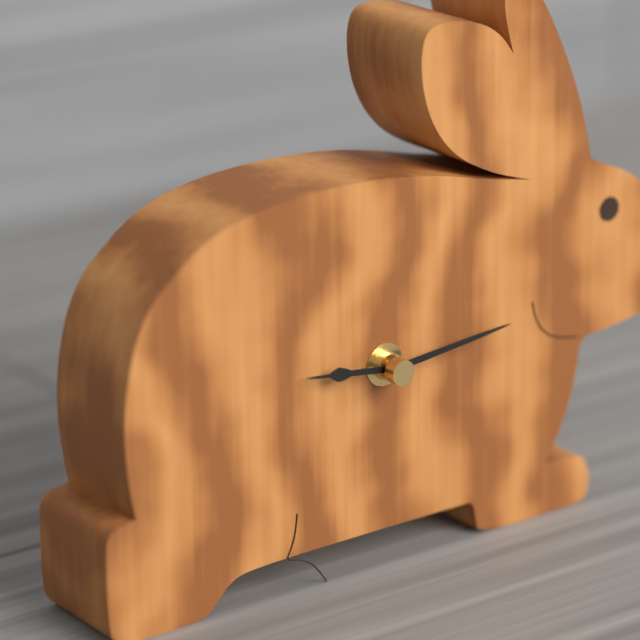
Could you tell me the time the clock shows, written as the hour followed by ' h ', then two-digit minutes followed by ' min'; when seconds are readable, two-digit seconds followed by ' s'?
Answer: 9 h 14 min
